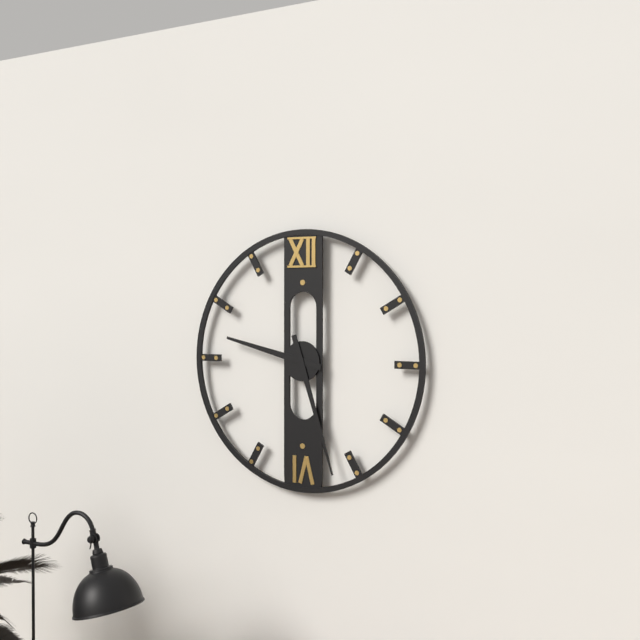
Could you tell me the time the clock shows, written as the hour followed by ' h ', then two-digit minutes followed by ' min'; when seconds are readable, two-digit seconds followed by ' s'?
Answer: 9 h 27 min
